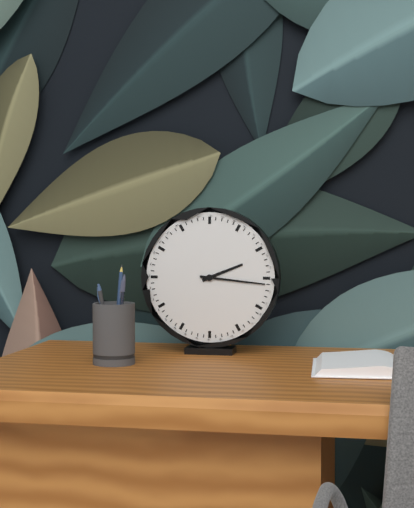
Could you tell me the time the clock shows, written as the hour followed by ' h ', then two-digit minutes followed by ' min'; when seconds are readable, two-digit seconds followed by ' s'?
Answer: 2 h 16 min
